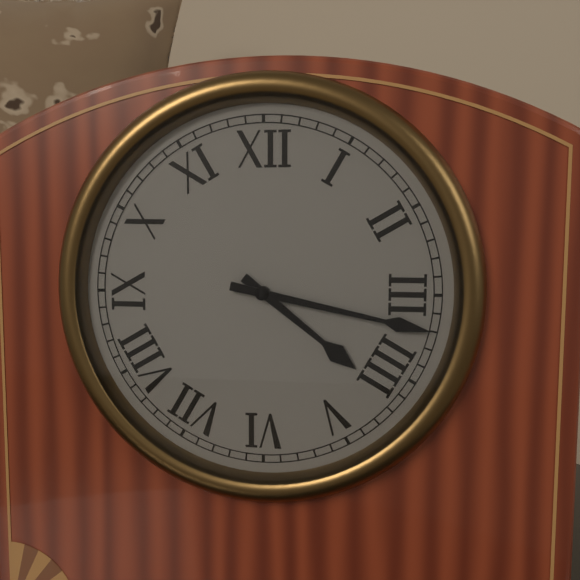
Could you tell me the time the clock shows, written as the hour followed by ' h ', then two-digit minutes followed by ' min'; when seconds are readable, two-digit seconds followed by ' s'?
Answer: 4 h 17 min
